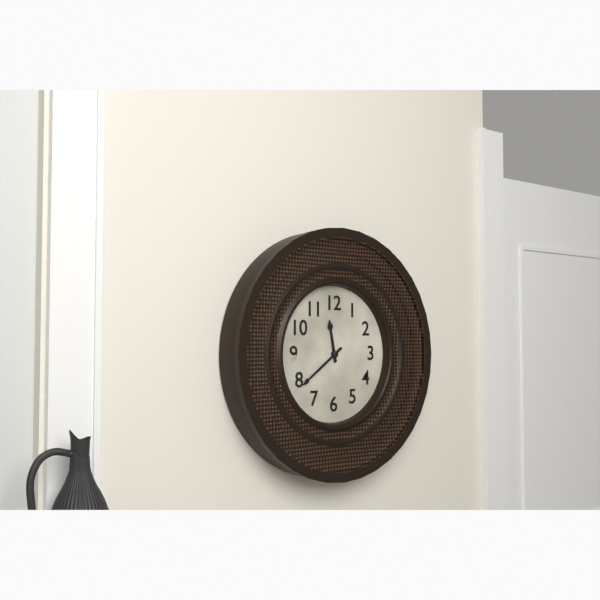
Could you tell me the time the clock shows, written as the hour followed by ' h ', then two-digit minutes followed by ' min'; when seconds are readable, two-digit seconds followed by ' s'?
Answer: 11 h 39 min
